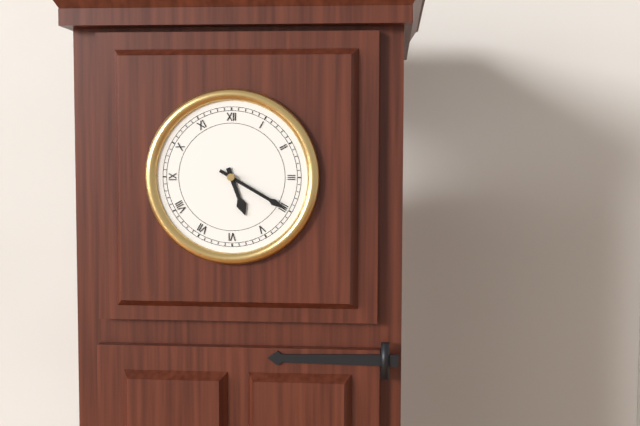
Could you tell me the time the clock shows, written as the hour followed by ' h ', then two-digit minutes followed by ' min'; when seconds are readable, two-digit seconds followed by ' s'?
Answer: 5 h 20 min
